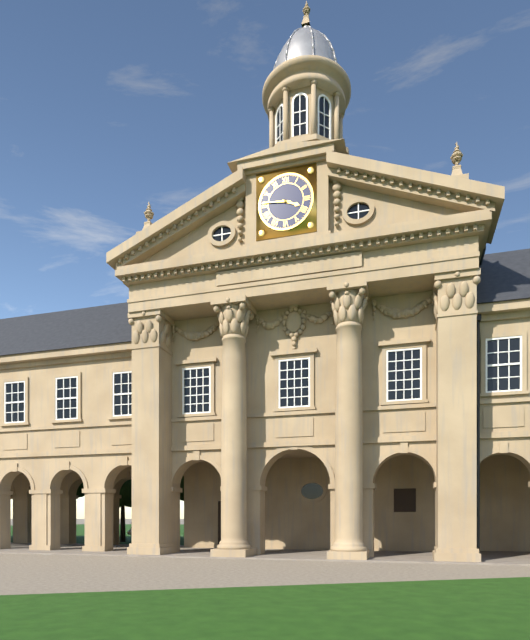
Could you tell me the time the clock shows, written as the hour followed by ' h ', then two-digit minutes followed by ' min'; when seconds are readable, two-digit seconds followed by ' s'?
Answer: 3 h 46 min
